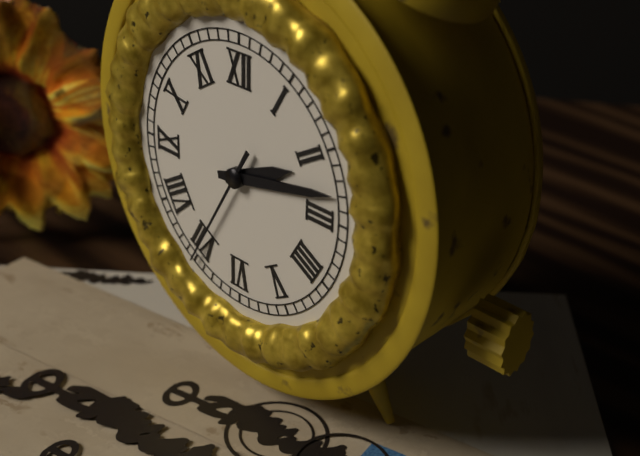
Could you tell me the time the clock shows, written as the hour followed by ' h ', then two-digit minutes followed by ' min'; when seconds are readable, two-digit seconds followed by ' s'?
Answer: 2 h 13 min 35 s
